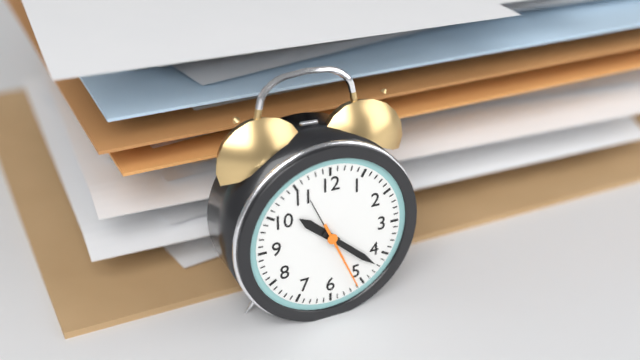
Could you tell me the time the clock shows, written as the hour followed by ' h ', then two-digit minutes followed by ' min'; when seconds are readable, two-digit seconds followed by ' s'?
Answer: 10 h 22 min 26 s
